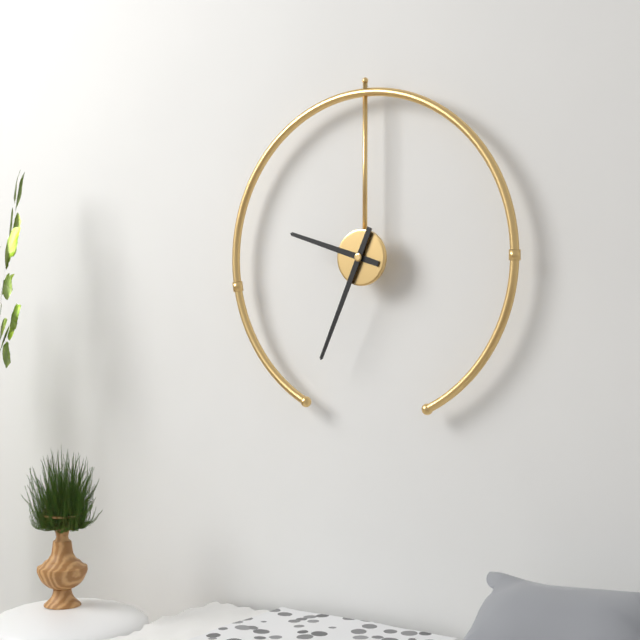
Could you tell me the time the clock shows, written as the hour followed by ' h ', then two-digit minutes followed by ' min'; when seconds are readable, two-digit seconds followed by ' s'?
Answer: 9 h 34 min
